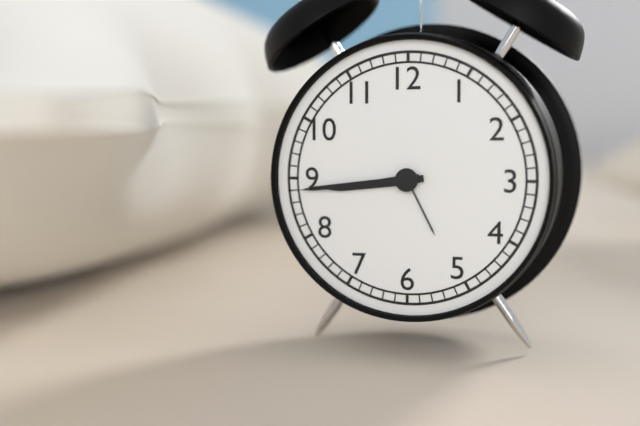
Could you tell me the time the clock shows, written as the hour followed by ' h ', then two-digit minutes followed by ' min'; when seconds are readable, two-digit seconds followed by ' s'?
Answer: 8 h 44 min
